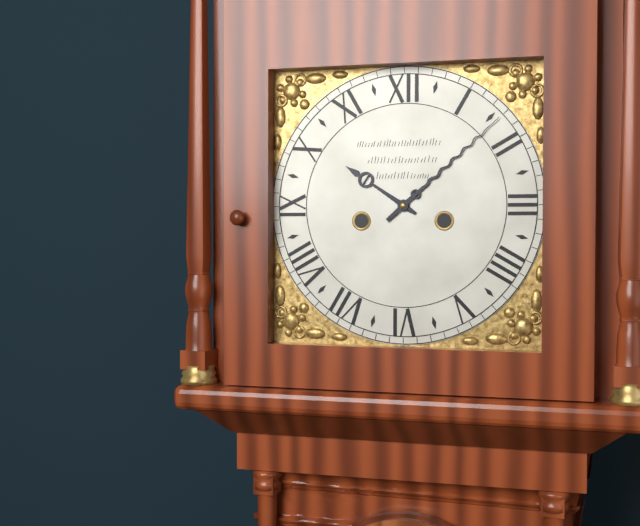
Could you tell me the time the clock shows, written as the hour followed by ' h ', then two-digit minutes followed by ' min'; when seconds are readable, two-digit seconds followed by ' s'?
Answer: 10 h 08 min
